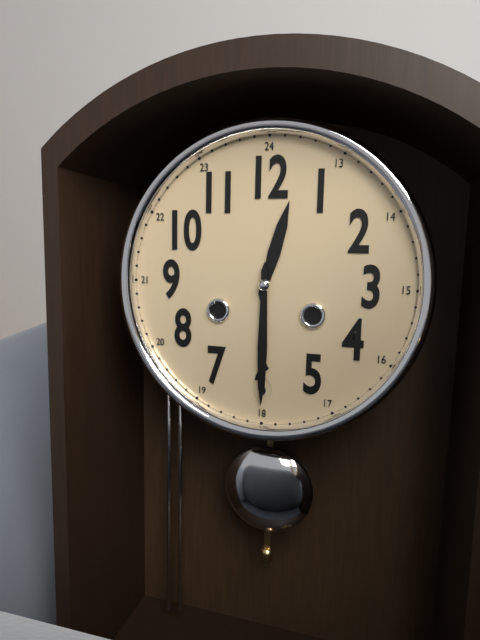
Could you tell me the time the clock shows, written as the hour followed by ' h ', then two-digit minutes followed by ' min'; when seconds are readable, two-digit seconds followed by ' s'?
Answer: 12 h 30 min
